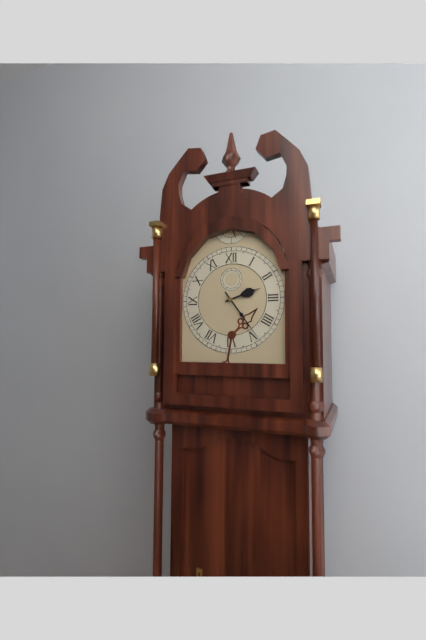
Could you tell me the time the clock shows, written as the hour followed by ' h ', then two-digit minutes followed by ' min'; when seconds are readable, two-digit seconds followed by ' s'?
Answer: 2 h 24 min
